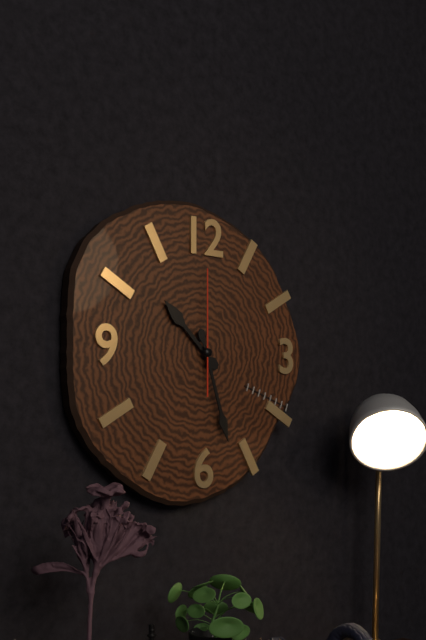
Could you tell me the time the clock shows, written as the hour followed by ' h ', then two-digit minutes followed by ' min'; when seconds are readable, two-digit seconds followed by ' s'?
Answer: 10 h 27 min 00 s
